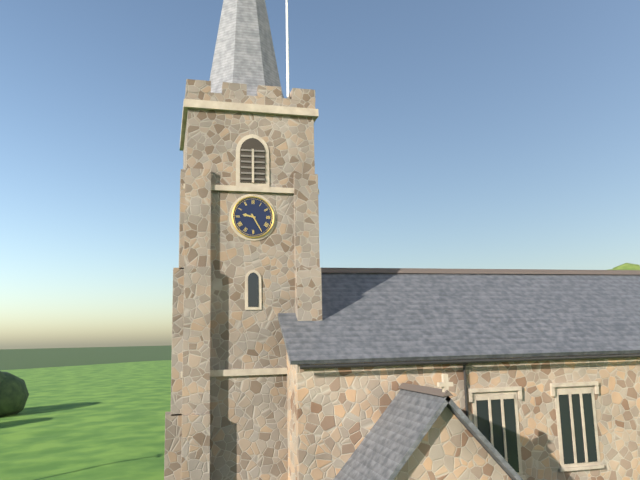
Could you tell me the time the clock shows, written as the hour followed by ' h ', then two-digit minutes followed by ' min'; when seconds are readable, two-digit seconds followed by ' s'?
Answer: 9 h 25 min
